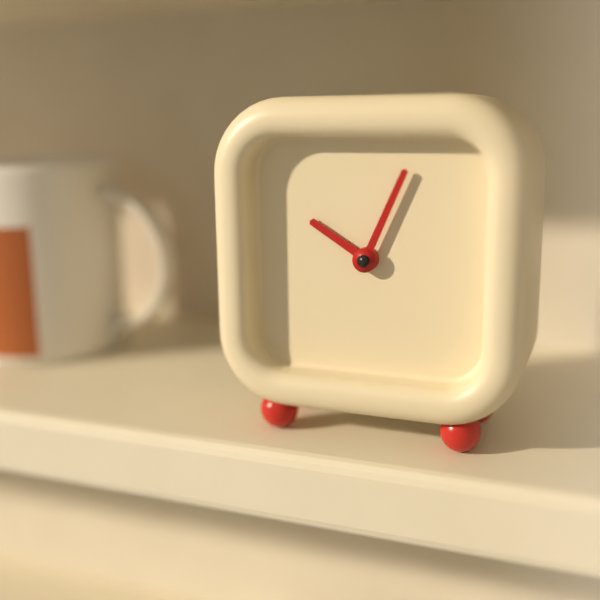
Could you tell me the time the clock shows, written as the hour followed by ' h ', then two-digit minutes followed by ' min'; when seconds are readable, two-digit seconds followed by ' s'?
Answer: 10 h 04 min
